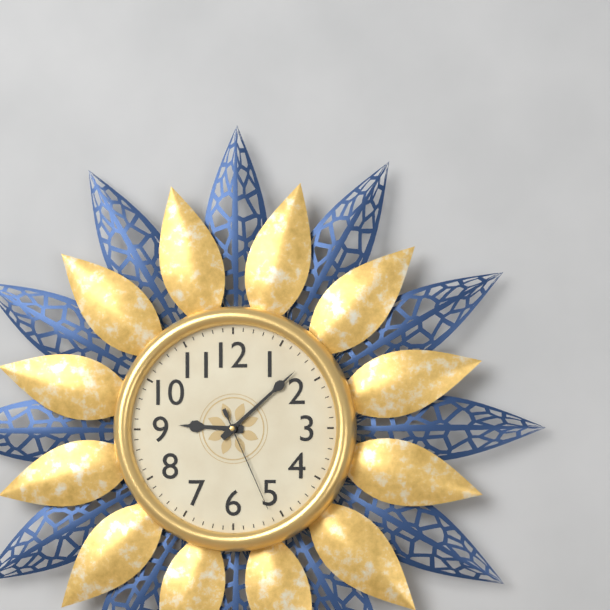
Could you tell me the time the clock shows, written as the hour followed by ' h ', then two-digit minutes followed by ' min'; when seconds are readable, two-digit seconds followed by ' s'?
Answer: 9 h 08 min 26 s
